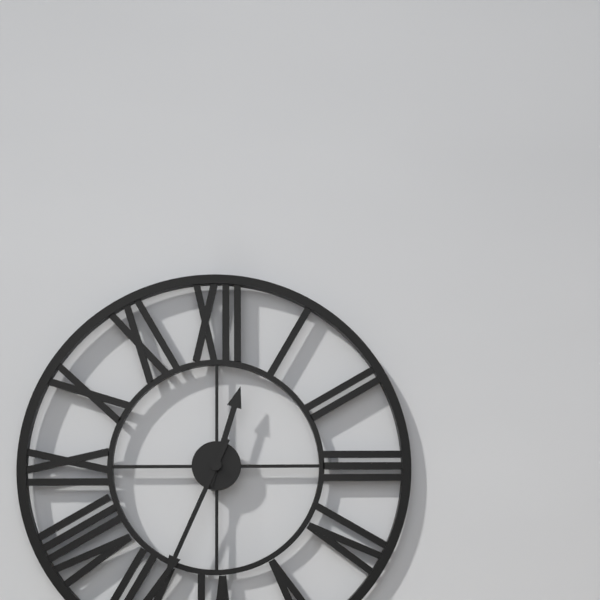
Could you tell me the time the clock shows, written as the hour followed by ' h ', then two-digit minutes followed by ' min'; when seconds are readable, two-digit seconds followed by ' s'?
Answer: 12 h 34 min
